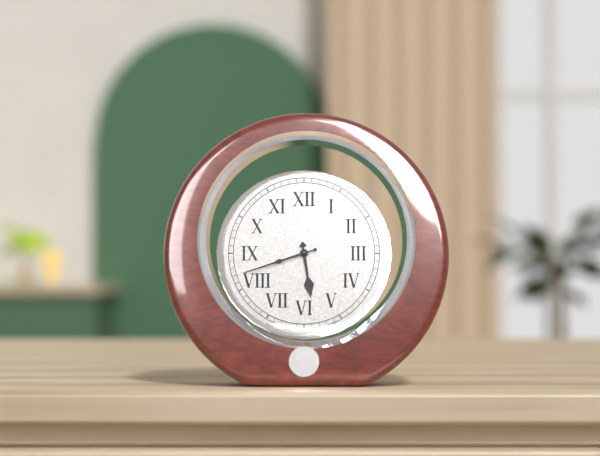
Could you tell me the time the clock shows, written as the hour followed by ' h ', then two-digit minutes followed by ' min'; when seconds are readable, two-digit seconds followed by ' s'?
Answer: 5 h 42 min
